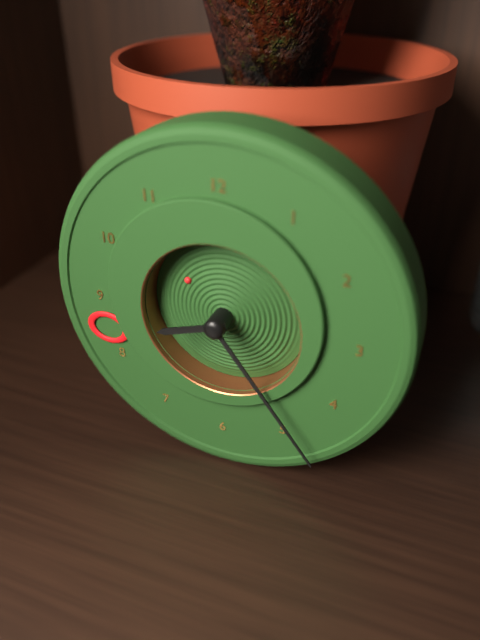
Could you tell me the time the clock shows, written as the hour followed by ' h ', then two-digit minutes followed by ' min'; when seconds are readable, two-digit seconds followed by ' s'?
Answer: 8 h 24 min 51 s
